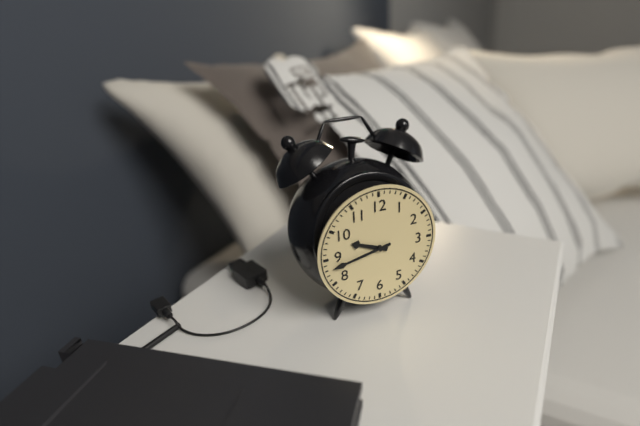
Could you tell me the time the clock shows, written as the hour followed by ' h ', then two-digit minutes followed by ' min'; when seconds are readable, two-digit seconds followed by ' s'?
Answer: 9 h 43 min
